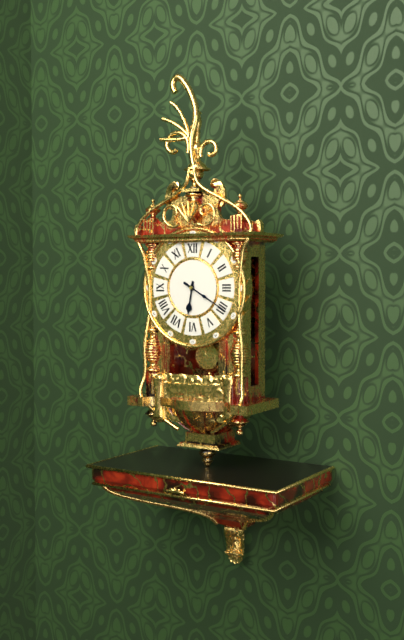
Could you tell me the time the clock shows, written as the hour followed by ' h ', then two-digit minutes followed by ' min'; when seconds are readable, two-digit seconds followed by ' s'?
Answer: 6 h 20 min
